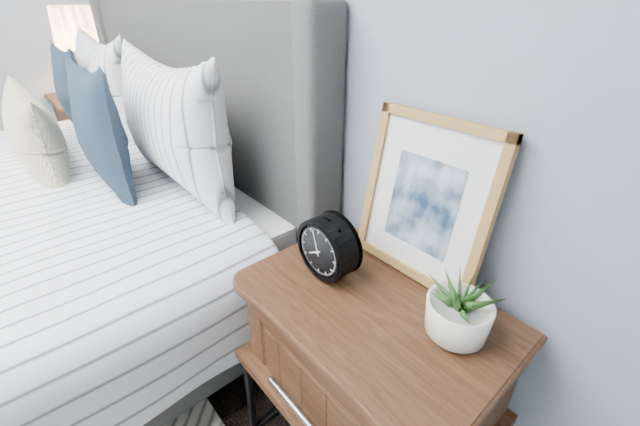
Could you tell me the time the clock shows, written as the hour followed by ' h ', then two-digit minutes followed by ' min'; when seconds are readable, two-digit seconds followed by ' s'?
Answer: 7 h 57 min
